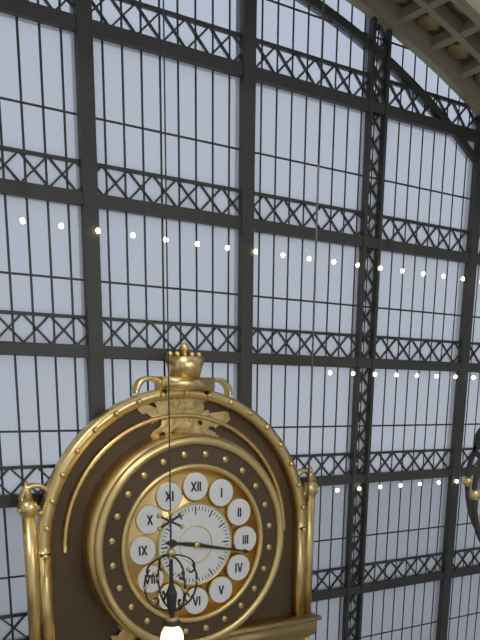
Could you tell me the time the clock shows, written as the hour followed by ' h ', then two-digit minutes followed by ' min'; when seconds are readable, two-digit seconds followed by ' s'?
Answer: 9 h 17 min
